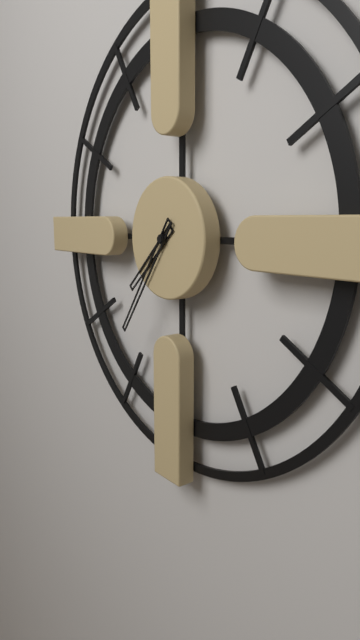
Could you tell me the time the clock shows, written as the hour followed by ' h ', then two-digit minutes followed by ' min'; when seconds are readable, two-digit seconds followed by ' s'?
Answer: 7 h 36 min
